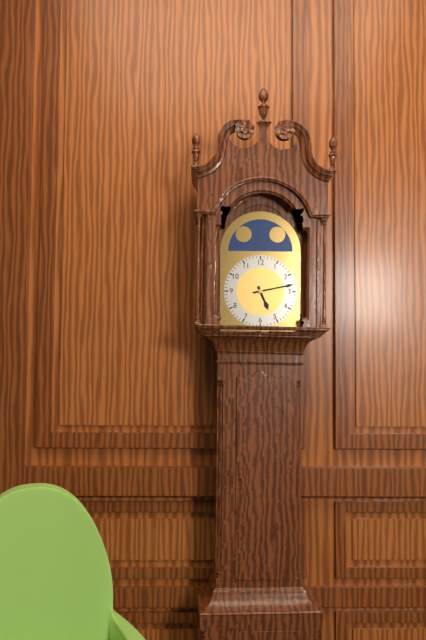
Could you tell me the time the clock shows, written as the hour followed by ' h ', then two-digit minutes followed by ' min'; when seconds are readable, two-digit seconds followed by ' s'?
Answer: 5 h 13 min
